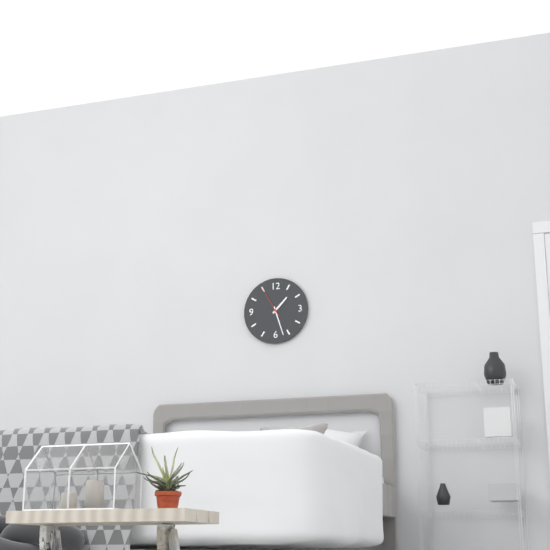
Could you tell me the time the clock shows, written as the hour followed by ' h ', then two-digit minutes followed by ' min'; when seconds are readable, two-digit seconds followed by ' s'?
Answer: 1 h 27 min
